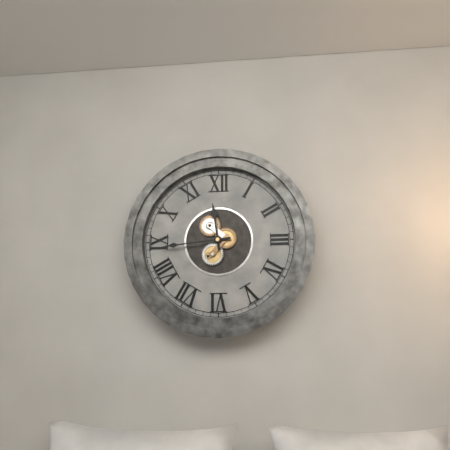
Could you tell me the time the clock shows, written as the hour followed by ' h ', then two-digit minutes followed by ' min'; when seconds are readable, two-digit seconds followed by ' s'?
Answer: 11 h 44 min
